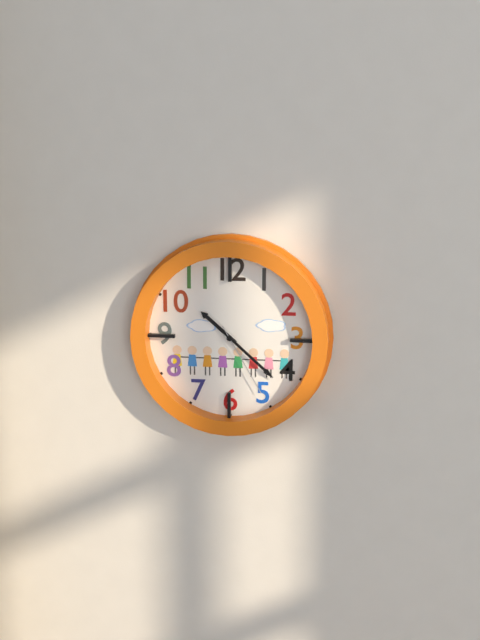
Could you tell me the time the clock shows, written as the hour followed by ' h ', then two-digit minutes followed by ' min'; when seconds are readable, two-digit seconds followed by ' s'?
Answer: 10 h 22 min 25 s
